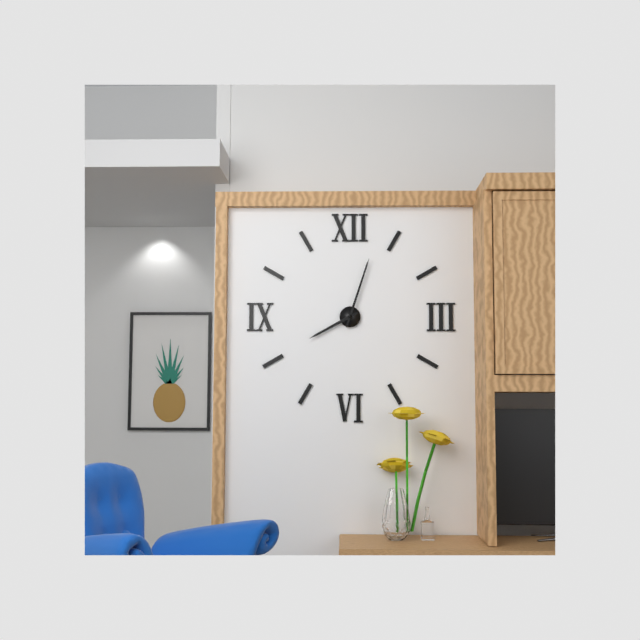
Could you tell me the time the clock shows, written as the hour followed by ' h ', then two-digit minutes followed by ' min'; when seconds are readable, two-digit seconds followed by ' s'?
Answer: 8 h 03 min
